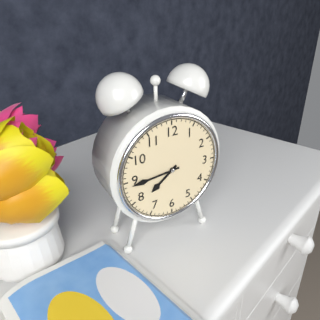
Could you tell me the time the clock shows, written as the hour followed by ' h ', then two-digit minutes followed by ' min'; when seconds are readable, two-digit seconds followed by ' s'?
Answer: 7 h 44 min
